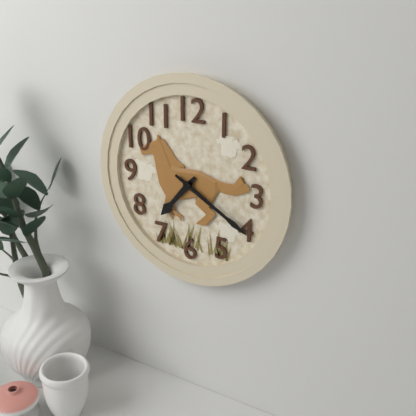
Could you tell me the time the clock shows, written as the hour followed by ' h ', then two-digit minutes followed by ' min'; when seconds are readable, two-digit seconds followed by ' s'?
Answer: 7 h 20 min
